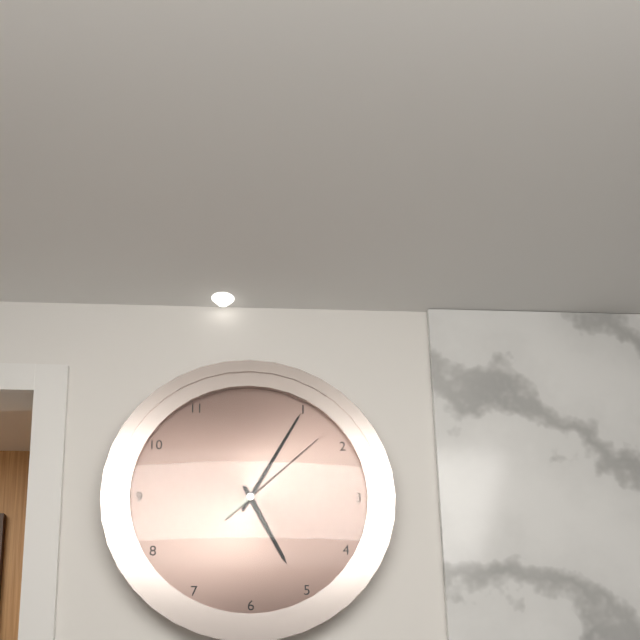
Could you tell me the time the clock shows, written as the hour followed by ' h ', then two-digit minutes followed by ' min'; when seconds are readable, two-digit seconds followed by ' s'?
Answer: 5 h 05 min 08 s
